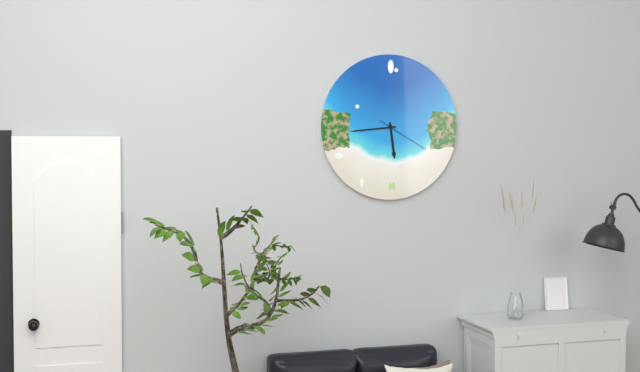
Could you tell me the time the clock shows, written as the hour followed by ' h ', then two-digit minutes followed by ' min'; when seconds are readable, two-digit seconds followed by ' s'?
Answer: 5 h 44 min 20 s
